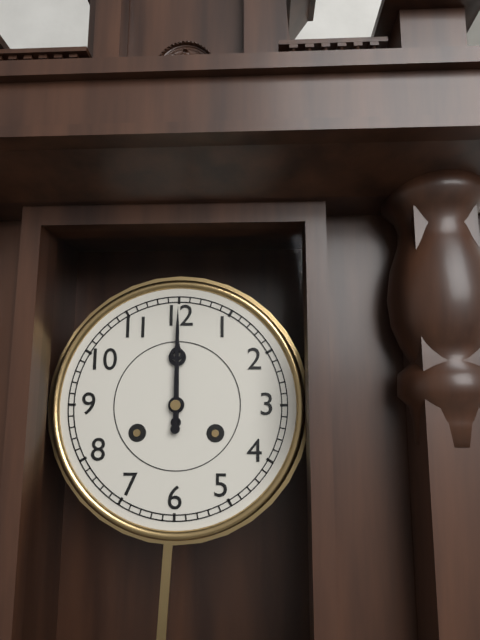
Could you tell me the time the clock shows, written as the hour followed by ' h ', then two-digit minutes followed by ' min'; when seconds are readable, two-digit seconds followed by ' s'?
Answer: 12 h 00 min
